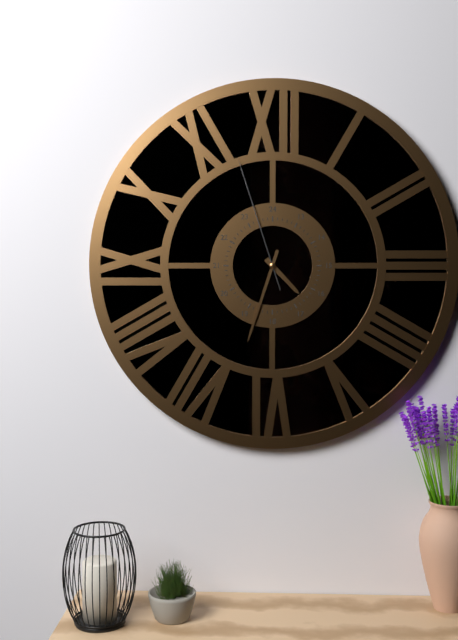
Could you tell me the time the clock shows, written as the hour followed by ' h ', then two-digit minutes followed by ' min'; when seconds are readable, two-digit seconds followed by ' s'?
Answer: 4 h 33 min 57 s
